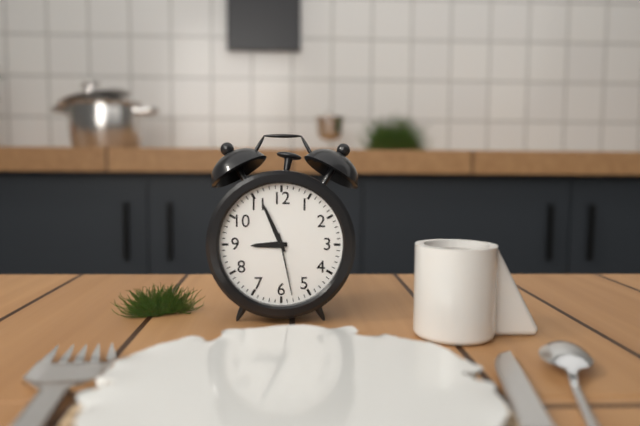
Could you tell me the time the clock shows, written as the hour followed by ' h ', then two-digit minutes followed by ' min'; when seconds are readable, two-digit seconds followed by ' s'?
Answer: 8 h 56 min 28 s
